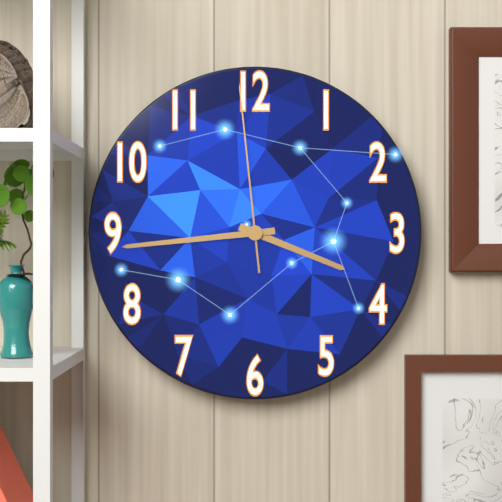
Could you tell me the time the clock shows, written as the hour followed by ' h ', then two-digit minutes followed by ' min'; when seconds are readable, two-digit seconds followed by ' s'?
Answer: 3 h 44 min 59 s
